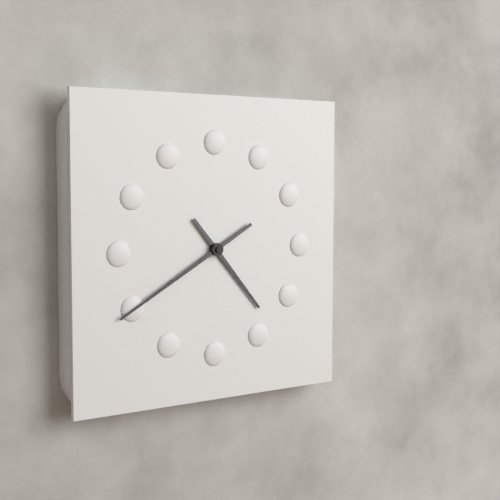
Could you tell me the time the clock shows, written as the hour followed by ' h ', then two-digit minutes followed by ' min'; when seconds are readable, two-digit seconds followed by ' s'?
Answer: 4 h 40 min
